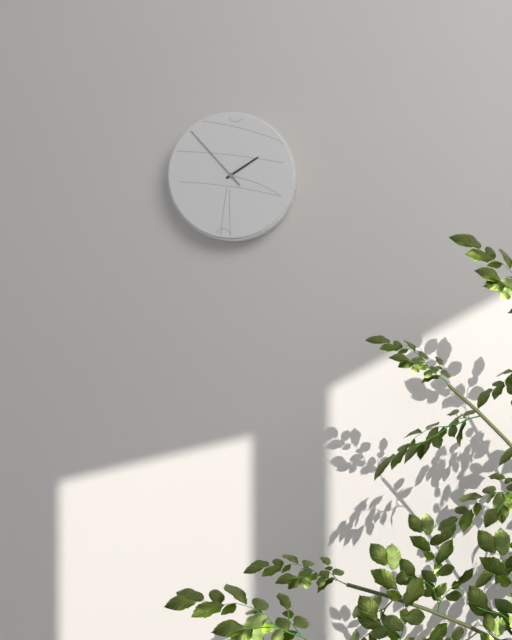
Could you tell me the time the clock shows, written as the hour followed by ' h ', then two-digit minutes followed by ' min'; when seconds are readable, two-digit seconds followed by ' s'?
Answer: 1 h 53 min
